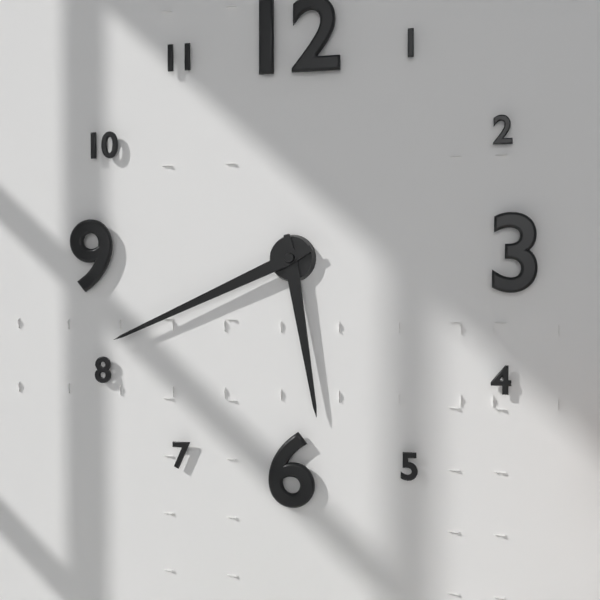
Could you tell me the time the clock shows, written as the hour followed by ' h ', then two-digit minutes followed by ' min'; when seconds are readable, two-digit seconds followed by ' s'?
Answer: 5 h 41 min
